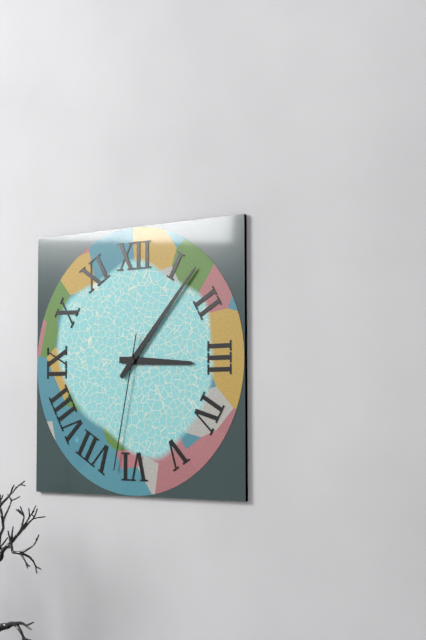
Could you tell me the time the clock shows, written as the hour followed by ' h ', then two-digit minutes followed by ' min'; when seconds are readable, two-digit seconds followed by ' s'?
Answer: 3 h 07 min 32 s
